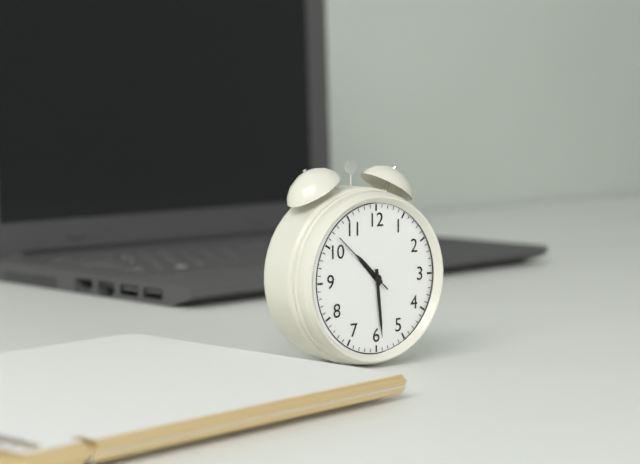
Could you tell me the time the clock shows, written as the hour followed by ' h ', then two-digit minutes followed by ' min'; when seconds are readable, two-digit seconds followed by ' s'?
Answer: 10 h 29 min 52 s
